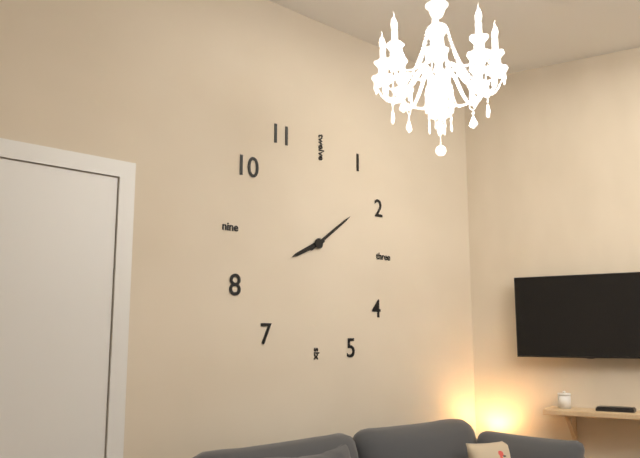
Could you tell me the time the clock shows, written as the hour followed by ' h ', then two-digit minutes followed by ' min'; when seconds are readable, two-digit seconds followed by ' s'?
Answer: 8 h 09 min
